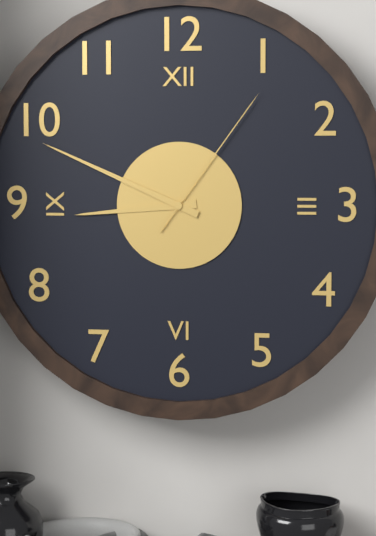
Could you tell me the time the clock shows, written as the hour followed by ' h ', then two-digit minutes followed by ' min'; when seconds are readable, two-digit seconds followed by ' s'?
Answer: 8 h 49 min 06 s
